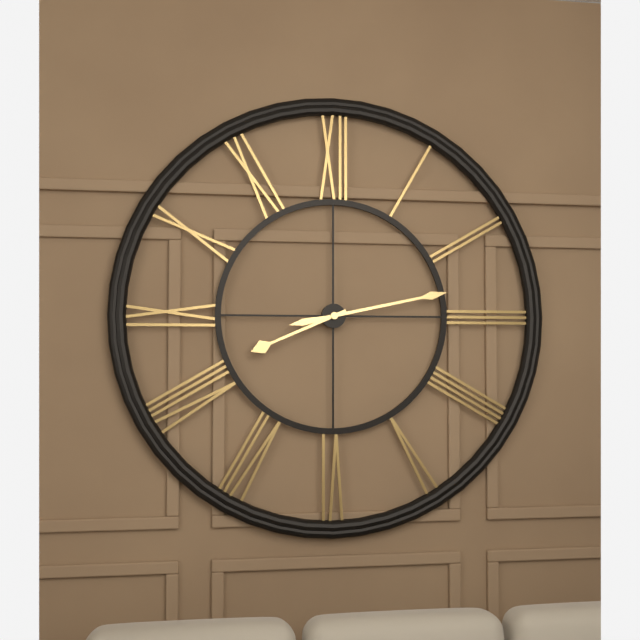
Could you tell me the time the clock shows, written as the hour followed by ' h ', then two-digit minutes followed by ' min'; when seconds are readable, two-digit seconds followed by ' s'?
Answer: 8 h 13 min
